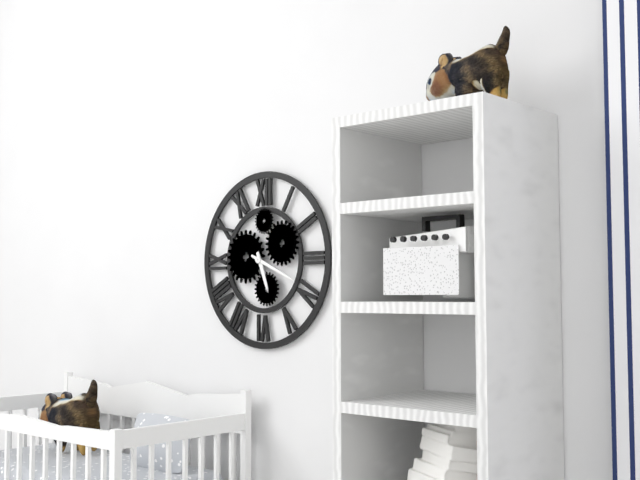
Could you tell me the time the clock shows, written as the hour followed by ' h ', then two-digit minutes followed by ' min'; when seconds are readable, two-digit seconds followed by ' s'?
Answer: 5 h 19 min
